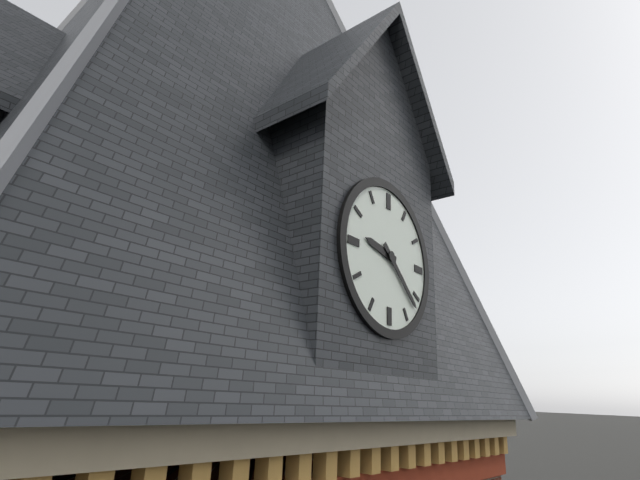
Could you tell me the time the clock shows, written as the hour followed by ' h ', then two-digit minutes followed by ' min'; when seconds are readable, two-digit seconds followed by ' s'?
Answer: 9 h 22 min
